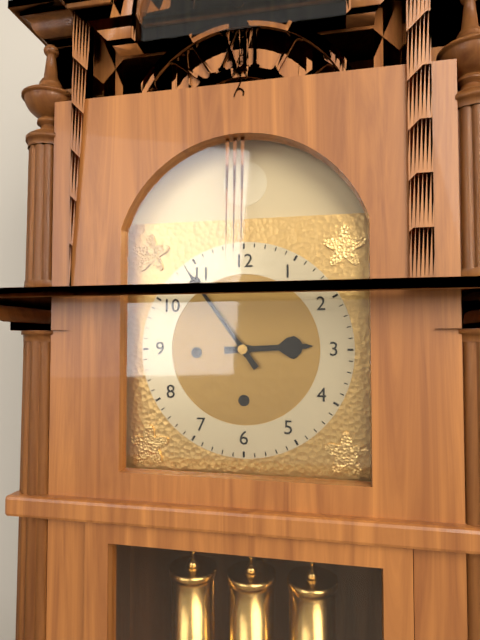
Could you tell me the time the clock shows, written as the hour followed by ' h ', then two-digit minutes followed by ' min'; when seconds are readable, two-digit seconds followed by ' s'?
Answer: 2 h 54 min
